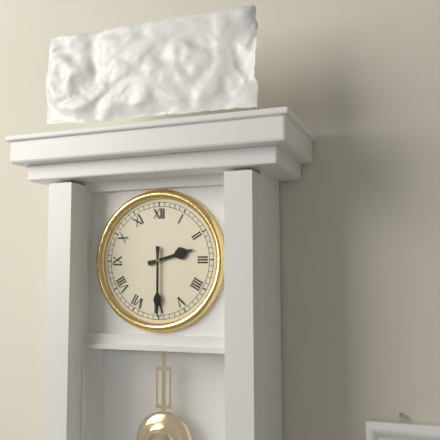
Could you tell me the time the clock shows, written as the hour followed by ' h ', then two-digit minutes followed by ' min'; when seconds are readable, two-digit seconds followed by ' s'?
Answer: 2 h 30 min
